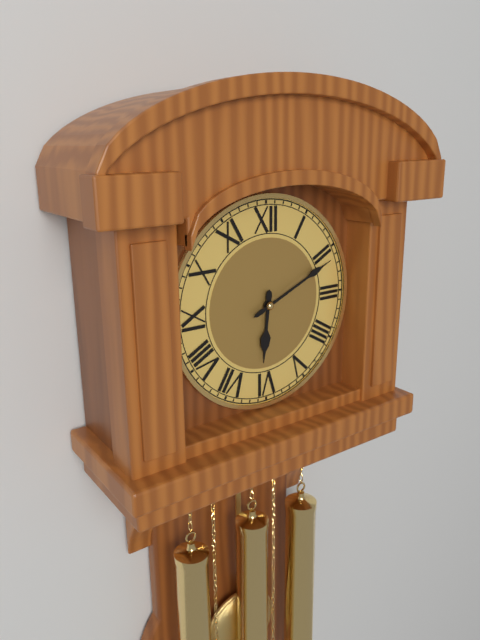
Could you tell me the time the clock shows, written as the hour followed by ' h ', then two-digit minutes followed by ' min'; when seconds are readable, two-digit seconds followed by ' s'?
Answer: 6 h 11 min
